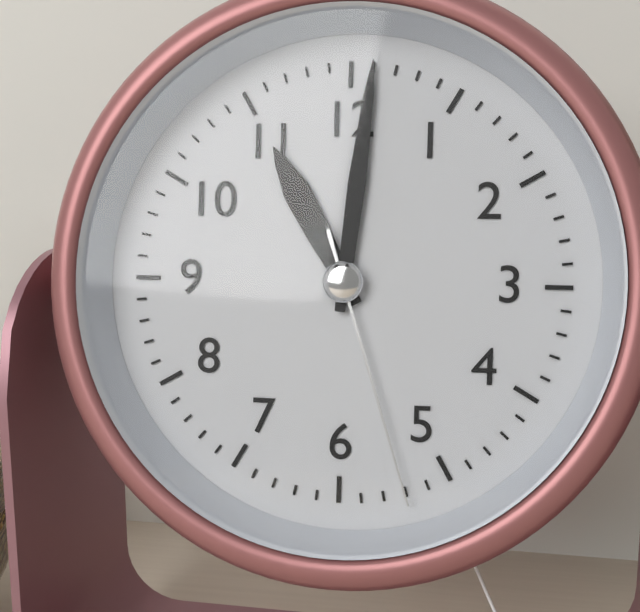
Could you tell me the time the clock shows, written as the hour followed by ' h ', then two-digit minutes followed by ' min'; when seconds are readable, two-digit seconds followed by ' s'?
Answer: 11 h 01 min 27 s
